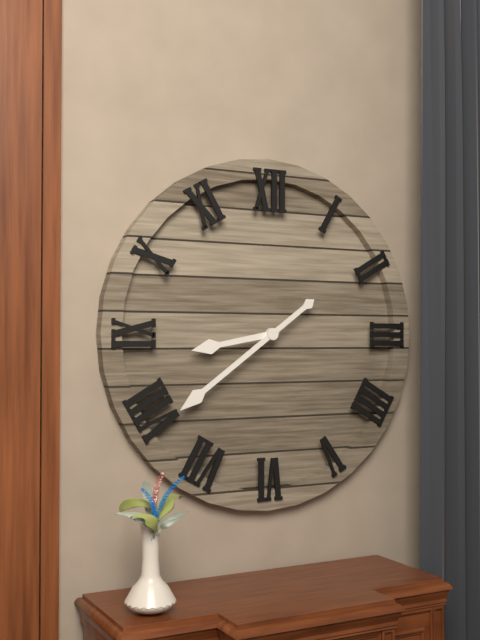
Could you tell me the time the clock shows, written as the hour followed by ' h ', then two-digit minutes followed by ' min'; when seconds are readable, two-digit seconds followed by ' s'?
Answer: 8 h 39 min
